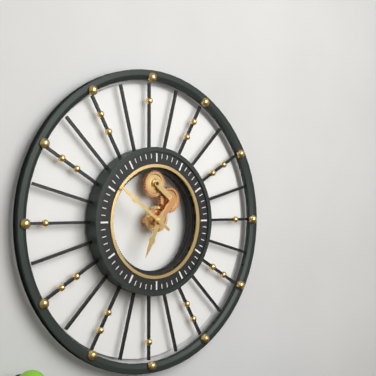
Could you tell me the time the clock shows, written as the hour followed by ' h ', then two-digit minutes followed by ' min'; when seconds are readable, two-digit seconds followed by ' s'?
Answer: 6 h 51 min
